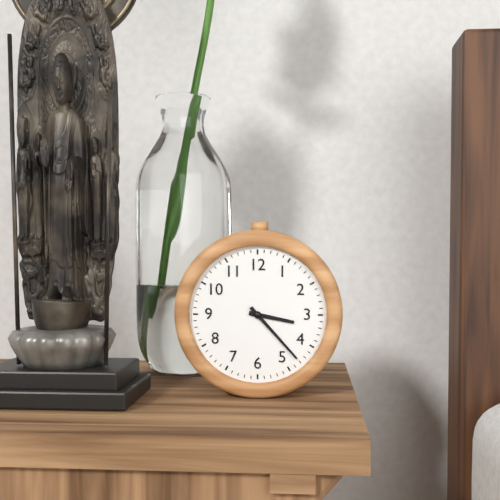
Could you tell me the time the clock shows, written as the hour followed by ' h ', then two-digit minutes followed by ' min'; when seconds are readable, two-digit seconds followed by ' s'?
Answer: 3 h 23 min
